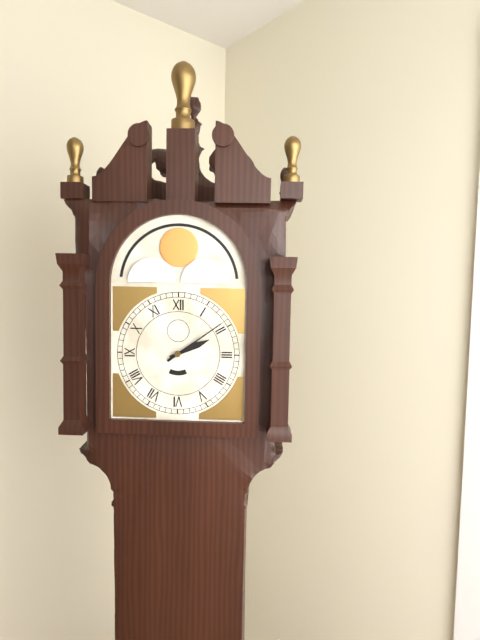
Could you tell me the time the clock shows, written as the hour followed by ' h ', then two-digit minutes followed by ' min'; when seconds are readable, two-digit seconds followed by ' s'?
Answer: 2 h 09 min
